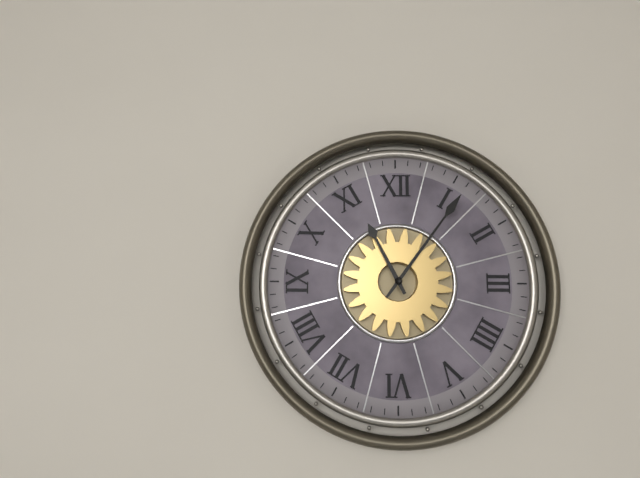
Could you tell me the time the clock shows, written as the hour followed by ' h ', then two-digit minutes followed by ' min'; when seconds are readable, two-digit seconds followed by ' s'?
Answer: 11 h 06 min
